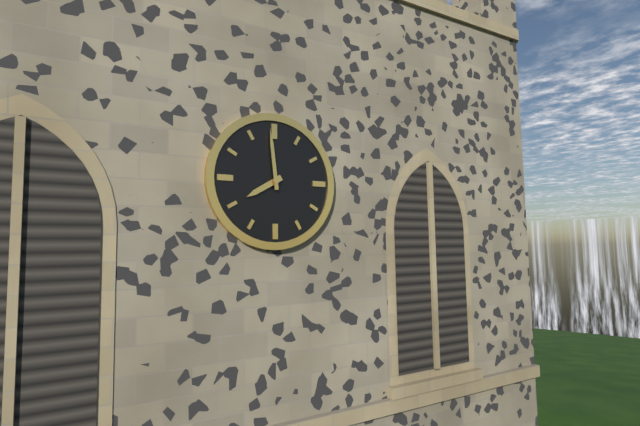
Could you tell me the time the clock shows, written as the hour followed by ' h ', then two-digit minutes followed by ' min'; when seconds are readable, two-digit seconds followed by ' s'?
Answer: 7 h 59 min
